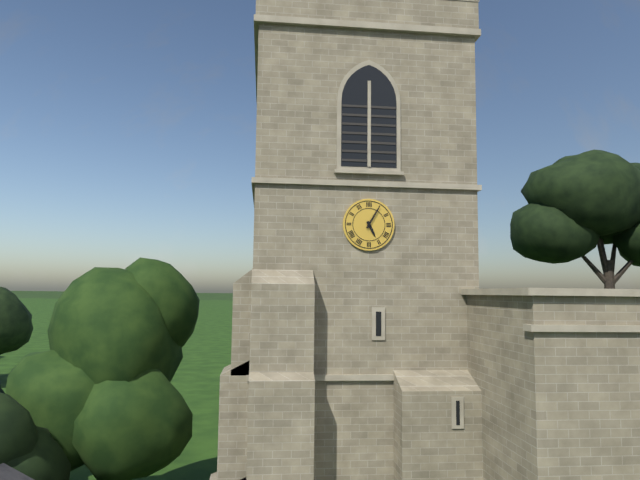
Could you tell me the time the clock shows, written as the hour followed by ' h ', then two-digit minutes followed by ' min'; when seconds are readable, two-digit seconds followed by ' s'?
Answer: 5 h 05 min
